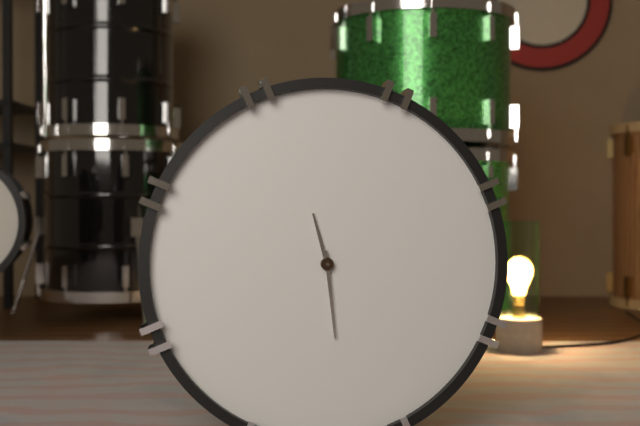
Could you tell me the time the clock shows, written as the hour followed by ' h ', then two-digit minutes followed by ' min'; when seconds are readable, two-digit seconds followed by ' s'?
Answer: 11 h 29 min
